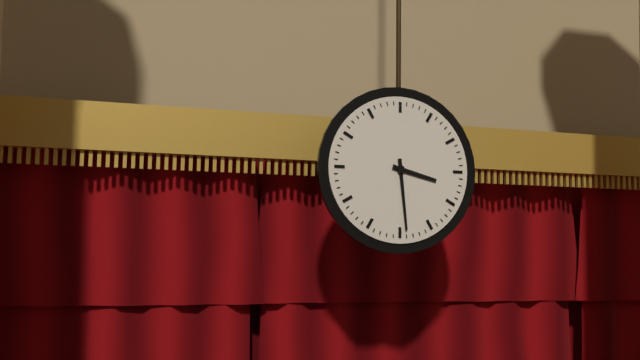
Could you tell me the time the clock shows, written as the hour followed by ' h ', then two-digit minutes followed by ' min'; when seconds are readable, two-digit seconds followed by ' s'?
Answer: 3 h 29 min
